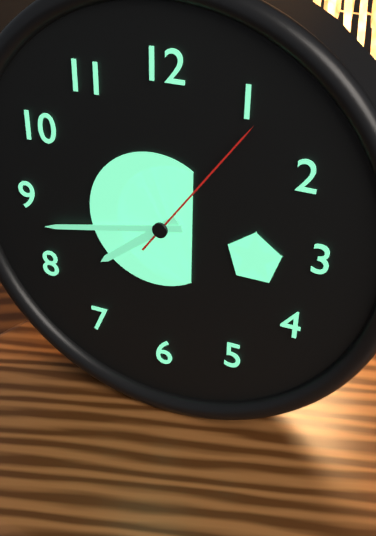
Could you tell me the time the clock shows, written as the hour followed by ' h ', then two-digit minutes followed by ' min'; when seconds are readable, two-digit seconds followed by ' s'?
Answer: 7 h 43 min 06 s
